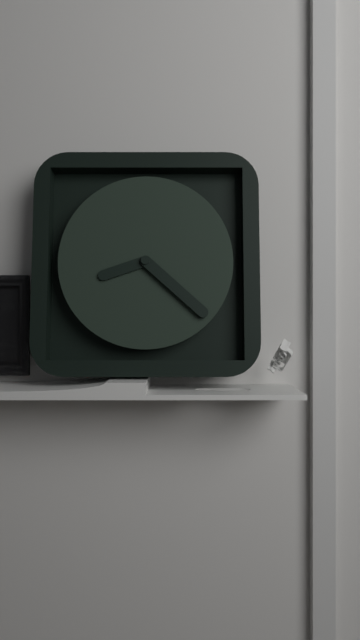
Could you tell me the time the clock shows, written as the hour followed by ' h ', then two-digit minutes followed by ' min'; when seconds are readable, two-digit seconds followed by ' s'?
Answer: 8 h 22 min
